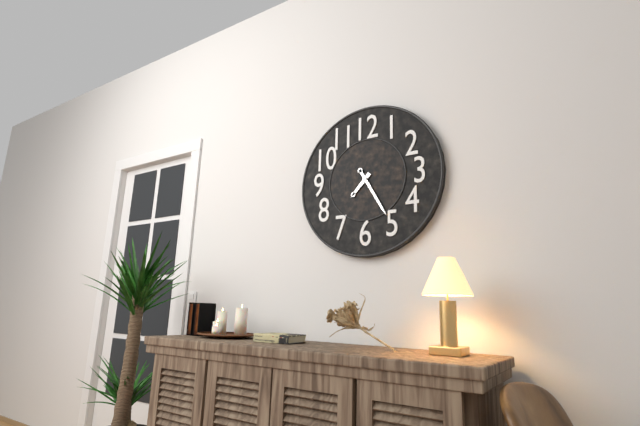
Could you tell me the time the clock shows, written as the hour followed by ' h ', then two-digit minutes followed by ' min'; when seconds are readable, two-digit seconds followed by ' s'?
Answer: 7 h 25 min
